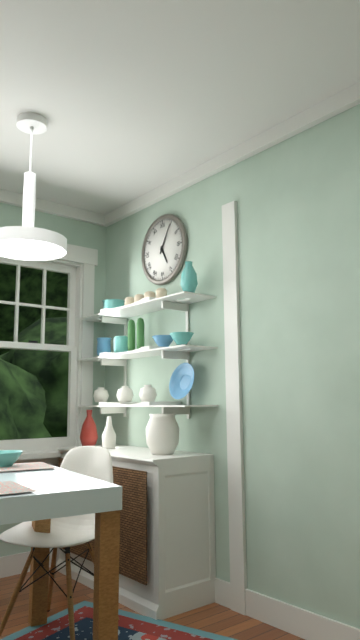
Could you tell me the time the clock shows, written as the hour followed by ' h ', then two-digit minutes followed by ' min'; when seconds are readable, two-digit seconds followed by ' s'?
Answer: 5 h 05 min
